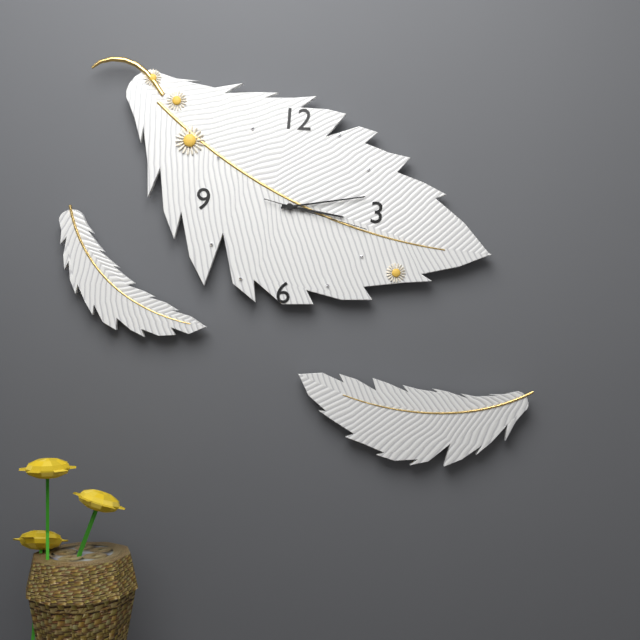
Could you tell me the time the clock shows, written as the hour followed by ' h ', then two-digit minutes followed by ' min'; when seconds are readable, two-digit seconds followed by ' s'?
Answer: 3 h 13 min 17 s
